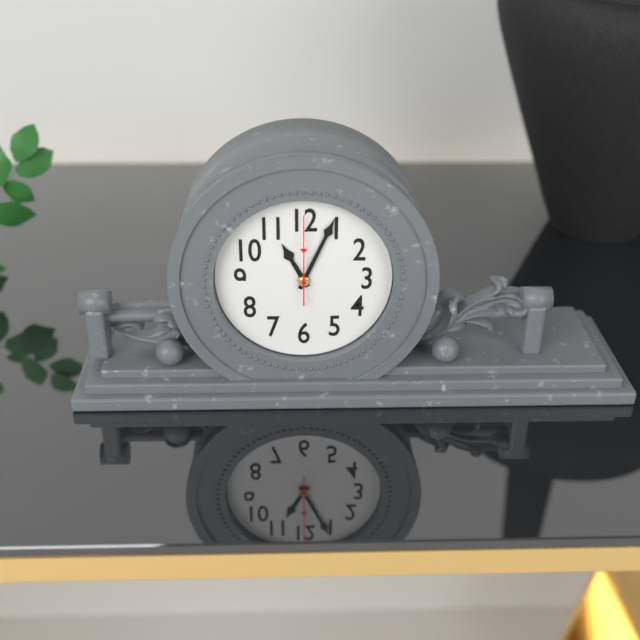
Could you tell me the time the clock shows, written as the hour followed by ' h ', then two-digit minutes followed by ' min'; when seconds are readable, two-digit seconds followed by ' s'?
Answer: 11 h 04 min 00 s
